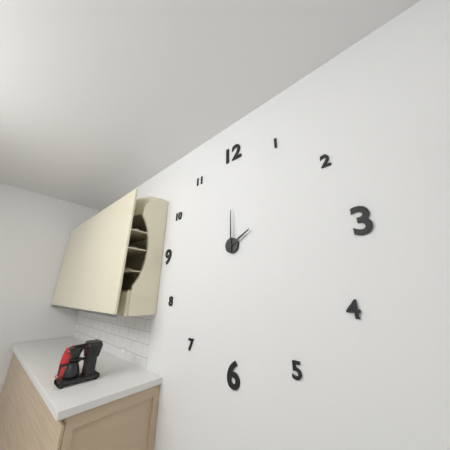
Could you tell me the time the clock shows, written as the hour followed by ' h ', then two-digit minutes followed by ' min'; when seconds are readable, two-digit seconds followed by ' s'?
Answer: 2 h 00 min
